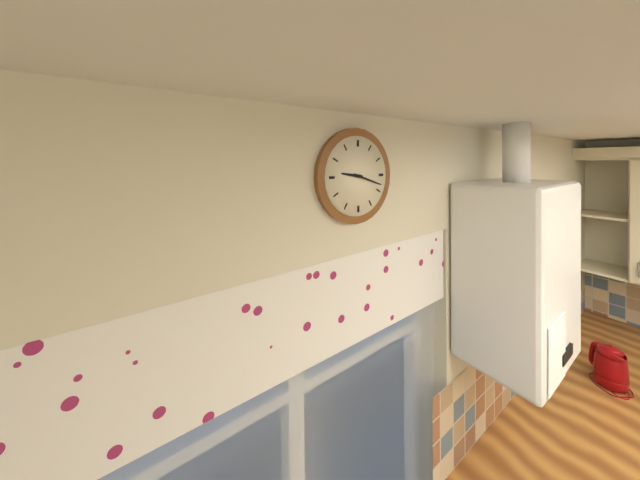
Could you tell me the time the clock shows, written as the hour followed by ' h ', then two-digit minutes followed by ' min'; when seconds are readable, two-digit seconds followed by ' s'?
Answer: 9 h 18 min
